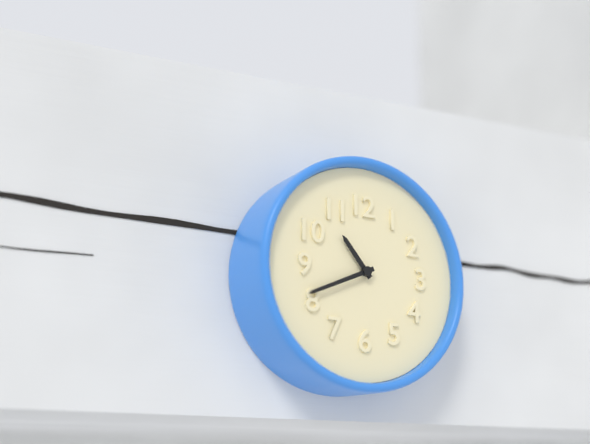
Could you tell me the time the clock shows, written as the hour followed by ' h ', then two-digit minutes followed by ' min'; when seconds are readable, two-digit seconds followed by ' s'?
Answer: 10 h 41 min
